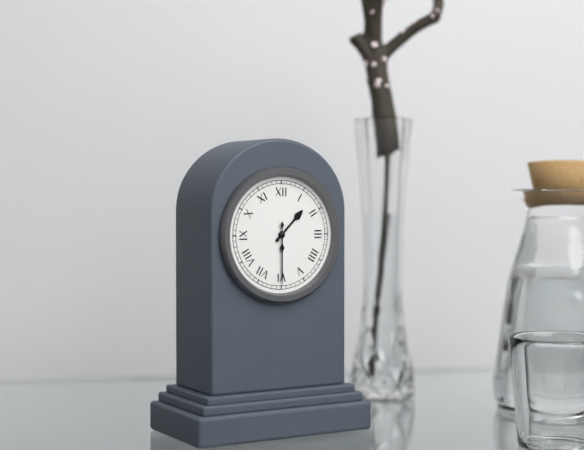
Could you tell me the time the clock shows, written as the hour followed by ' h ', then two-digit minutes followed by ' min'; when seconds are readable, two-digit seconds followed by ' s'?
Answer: 1 h 30 min
